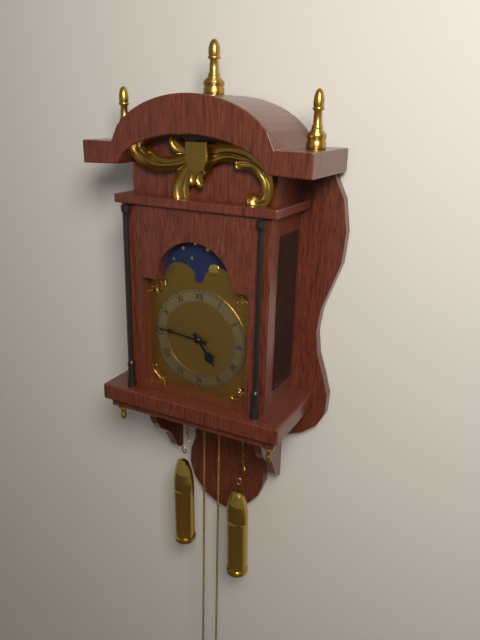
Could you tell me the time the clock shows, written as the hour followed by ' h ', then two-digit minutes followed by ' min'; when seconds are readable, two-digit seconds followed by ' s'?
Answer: 4 h 46 min
